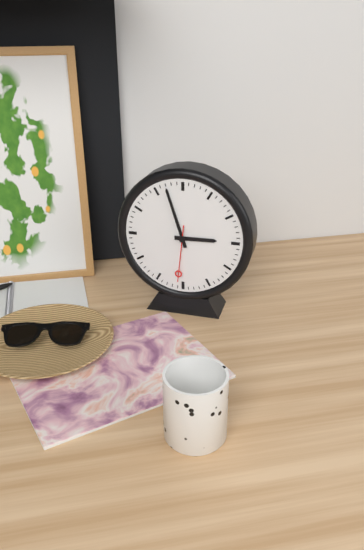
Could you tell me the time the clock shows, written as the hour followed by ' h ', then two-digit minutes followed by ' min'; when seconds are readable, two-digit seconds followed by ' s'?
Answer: 2 h 57 min 31 s
